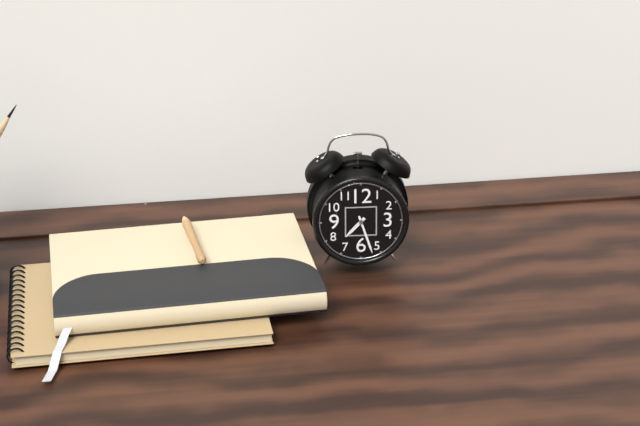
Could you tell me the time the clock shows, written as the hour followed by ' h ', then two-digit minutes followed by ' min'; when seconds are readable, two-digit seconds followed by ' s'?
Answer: 7 h 27 min
